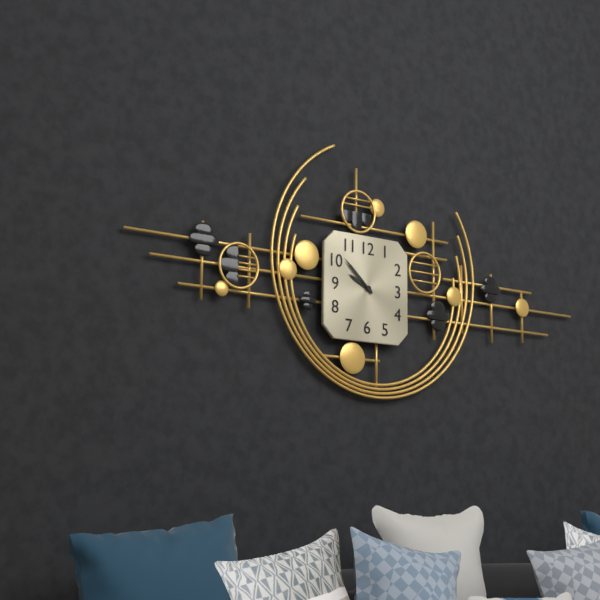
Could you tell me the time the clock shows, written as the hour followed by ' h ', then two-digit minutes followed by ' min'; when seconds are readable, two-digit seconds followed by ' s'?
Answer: 9 h 52 min
